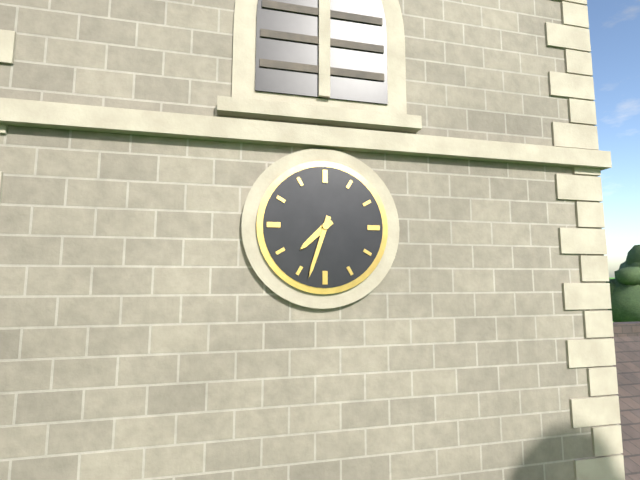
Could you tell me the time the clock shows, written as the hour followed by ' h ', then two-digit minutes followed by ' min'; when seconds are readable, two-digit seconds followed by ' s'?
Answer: 7 h 33 min
